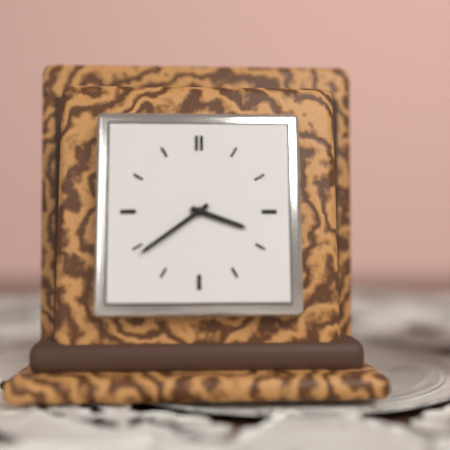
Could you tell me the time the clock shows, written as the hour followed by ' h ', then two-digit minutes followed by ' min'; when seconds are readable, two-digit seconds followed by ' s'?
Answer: 3 h 39 min
